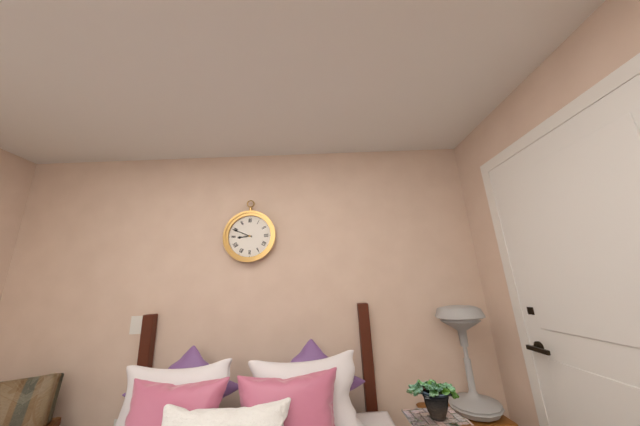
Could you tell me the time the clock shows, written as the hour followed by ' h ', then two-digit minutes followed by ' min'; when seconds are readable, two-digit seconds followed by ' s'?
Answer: 8 h 49 min
